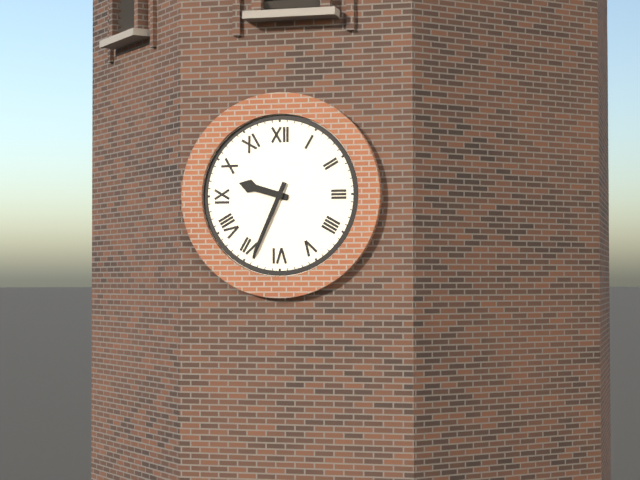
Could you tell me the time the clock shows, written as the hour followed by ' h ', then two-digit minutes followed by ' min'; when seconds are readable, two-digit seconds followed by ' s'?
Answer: 9 h 34 min
